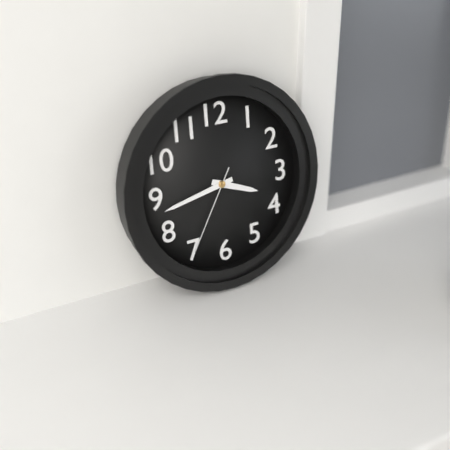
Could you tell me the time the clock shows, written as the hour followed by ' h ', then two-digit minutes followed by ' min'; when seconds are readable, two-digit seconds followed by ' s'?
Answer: 3 h 43 min 35 s
